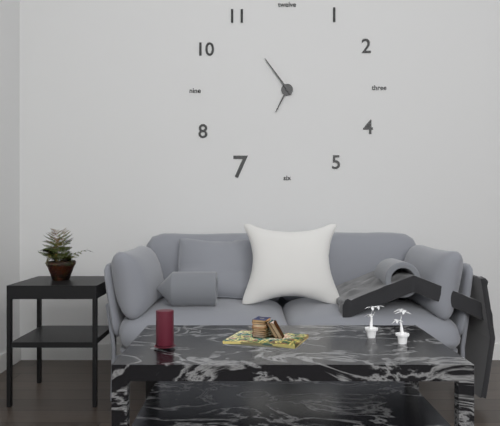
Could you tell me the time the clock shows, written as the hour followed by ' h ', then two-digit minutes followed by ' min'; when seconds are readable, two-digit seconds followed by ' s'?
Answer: 6 h 54 min
